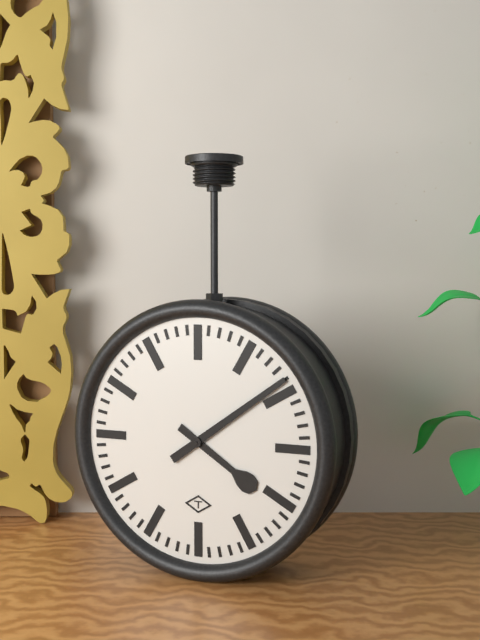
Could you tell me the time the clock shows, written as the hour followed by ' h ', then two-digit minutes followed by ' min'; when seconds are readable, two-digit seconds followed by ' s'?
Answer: 4 h 09 min
